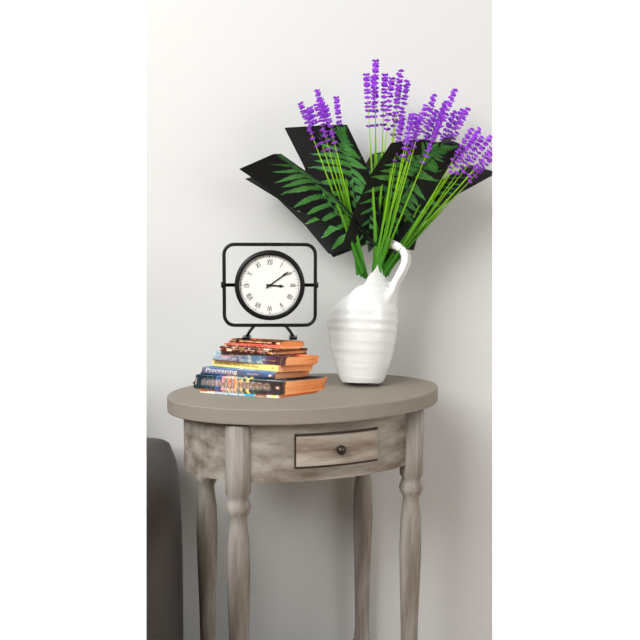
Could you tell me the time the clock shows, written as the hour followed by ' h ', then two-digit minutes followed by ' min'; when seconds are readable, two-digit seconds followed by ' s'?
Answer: 3 h 09 min
